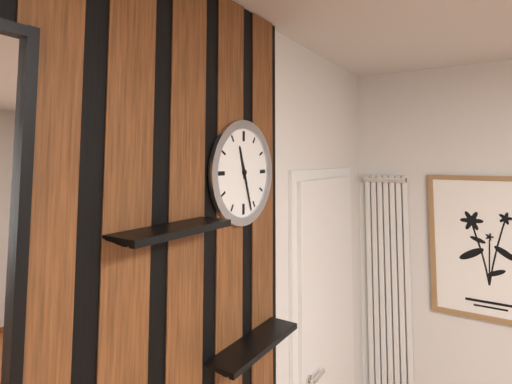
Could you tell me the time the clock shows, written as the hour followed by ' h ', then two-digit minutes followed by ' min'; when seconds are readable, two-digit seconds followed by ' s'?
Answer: 11 h 27 min
